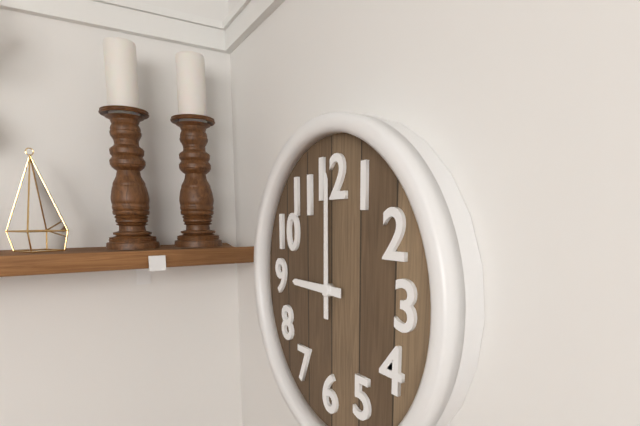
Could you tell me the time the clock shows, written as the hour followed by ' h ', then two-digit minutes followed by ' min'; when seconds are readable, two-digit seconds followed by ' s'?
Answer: 9 h 00 min
